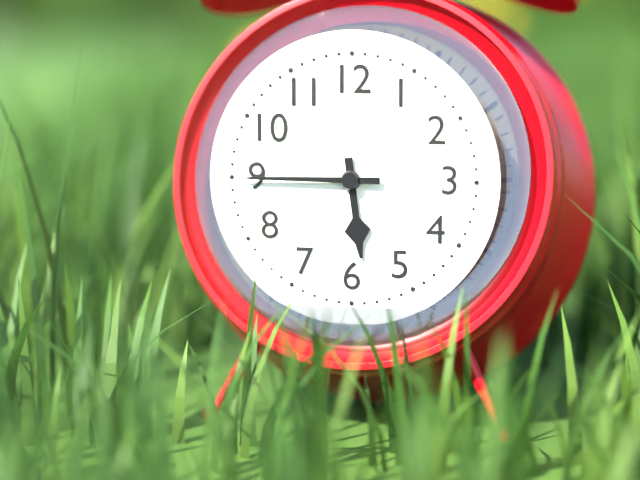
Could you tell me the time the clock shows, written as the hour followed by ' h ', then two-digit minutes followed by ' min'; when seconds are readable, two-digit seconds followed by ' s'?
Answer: 5 h 45 min
